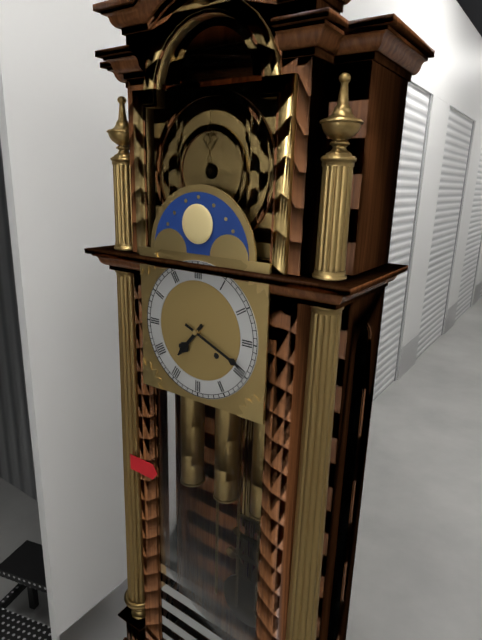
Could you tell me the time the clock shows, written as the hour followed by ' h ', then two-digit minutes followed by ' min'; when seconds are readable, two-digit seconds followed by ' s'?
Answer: 7 h 19 min
